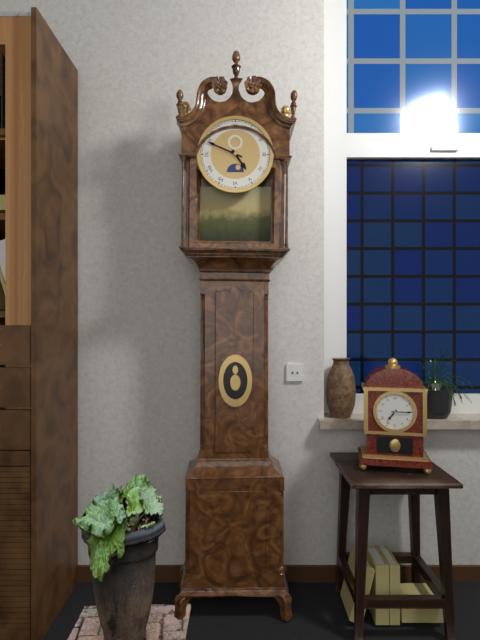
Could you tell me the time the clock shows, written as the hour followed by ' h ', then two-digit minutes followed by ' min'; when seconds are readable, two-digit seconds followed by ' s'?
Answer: 4 h 49 min
